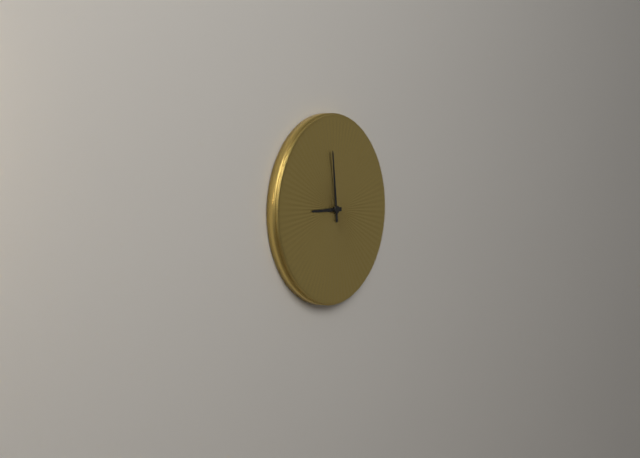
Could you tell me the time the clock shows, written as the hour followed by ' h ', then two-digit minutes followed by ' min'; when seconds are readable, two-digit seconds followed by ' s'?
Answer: 8 h 59 min
